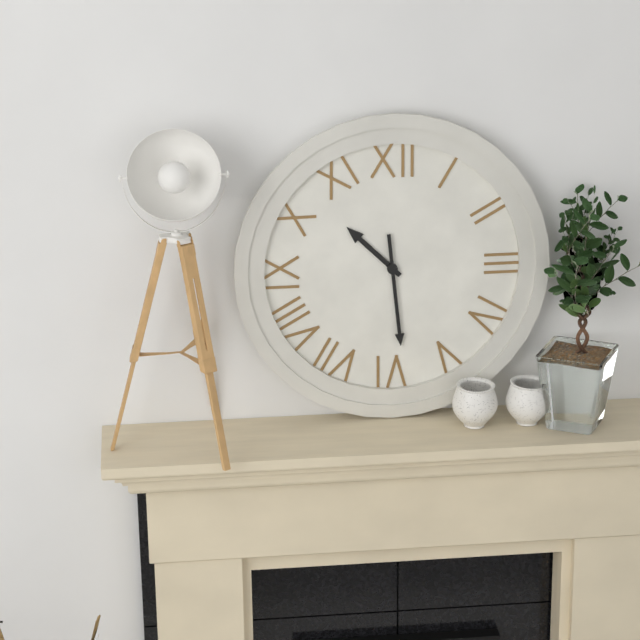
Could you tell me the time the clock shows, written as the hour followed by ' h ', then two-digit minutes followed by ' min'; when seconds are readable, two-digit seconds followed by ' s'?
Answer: 10 h 29 min
